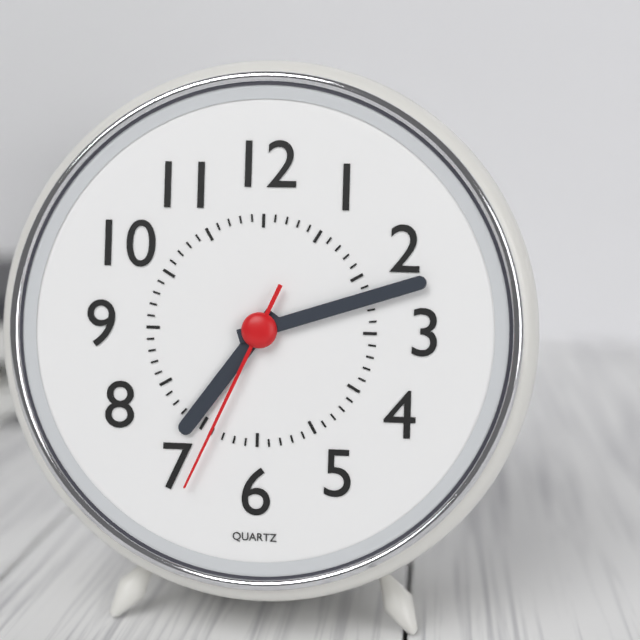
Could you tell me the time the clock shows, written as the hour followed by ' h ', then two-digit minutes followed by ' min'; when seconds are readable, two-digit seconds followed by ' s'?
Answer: 7 h 12 min 34 s
